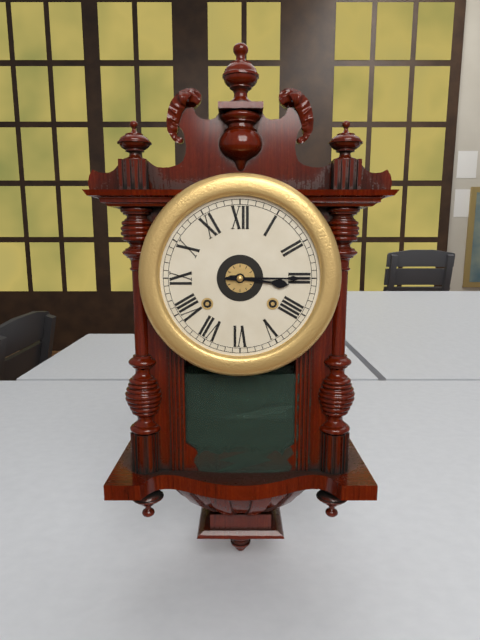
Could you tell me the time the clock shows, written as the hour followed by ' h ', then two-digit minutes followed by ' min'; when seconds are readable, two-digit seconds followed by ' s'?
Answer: 3 h 15 min
